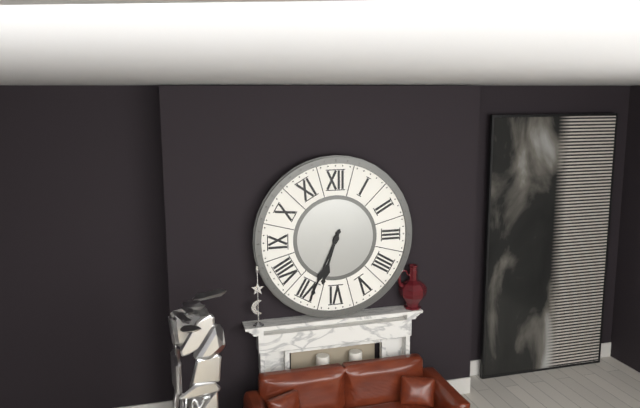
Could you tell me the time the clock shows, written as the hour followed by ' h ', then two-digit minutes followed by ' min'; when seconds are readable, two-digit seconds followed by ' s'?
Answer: 6 h 34 min
